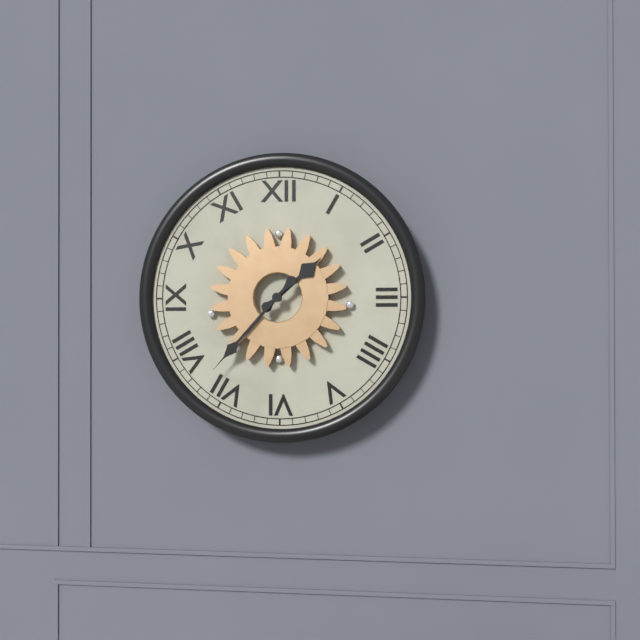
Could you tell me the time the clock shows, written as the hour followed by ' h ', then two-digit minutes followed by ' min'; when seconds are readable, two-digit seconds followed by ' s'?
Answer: 1 h 37 min
